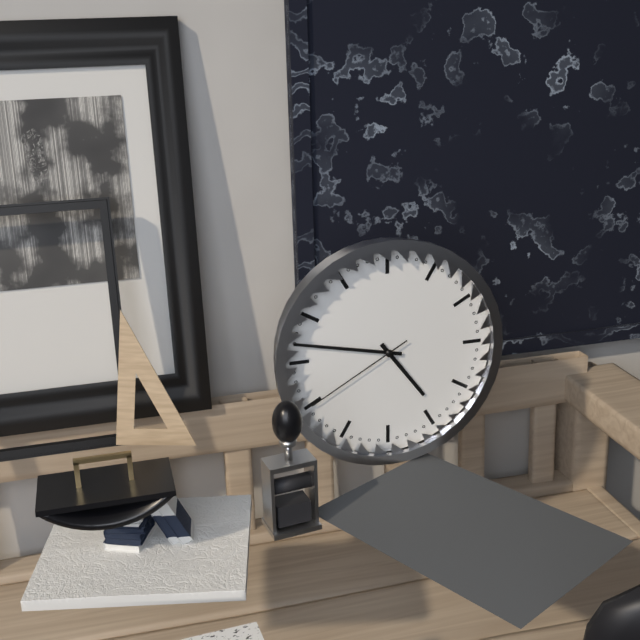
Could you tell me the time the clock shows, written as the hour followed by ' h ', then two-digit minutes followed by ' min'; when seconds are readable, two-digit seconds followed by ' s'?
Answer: 4 h 47 min 40 s
